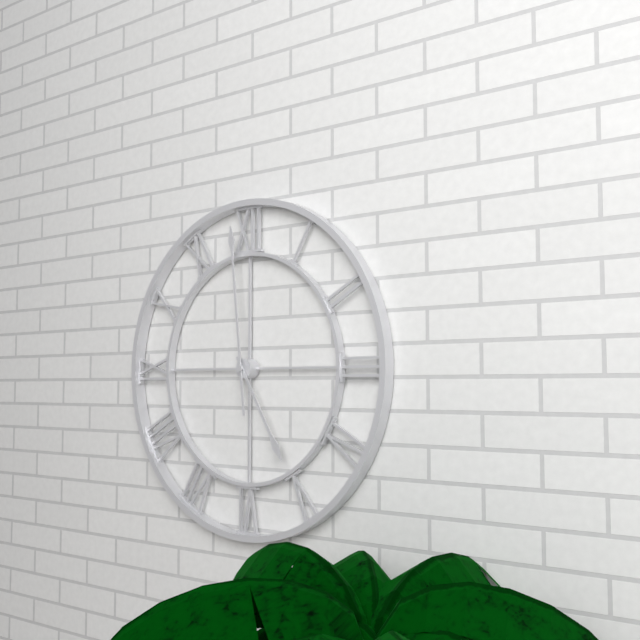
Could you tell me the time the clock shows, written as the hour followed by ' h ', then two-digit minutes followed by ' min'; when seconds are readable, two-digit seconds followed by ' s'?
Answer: 4 h 59 min
